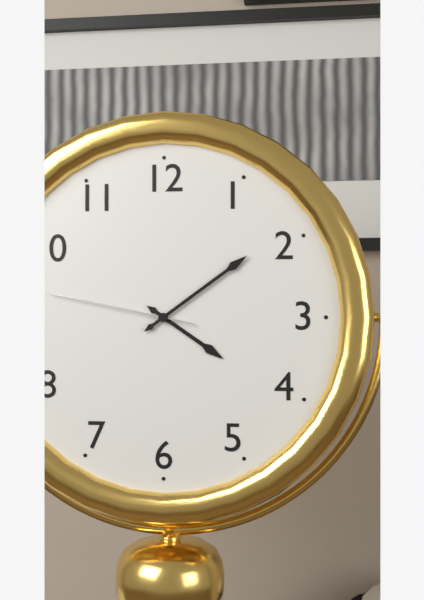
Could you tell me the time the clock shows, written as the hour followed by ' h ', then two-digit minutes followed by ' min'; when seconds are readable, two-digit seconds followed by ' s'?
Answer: 4 h 09 min 47 s
